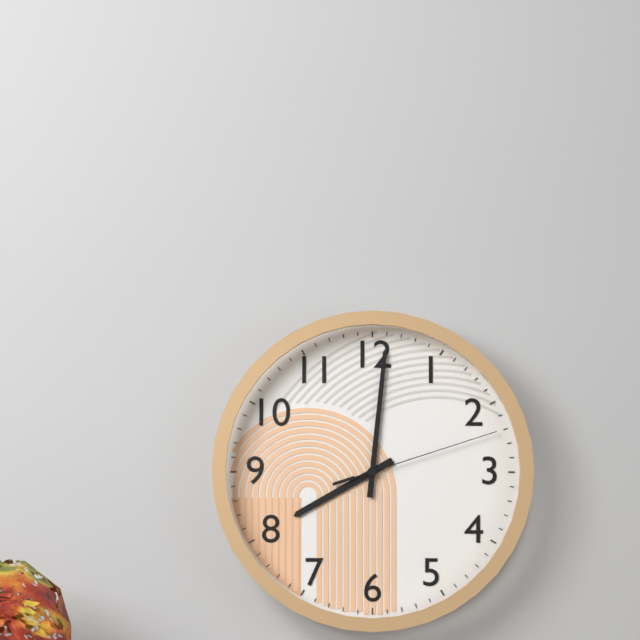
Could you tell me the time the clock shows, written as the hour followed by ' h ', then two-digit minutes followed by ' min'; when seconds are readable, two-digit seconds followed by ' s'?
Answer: 8 h 01 min 12 s
